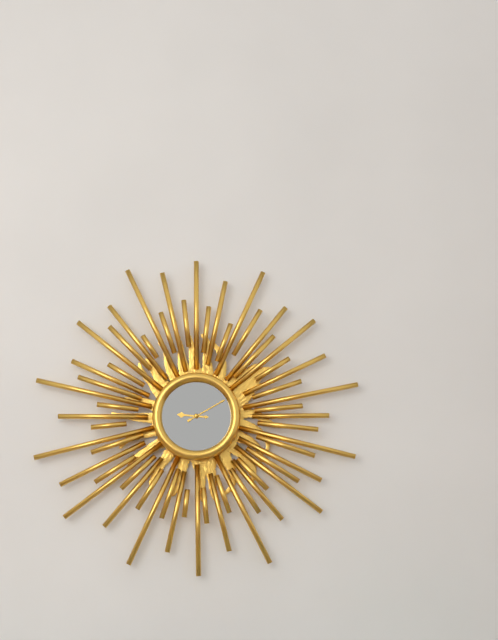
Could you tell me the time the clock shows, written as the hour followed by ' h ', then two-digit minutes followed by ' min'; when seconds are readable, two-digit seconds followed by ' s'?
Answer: 9 h 10 min
